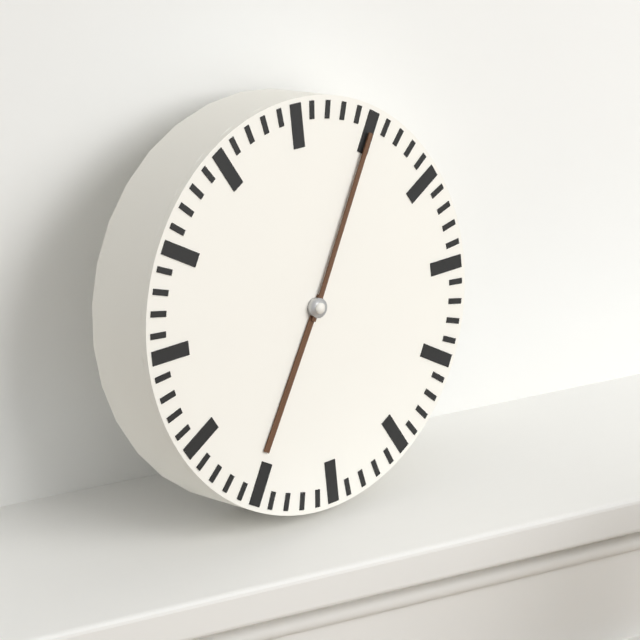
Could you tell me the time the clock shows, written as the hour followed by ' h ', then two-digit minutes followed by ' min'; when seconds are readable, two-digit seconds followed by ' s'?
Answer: 7 h 05 min
